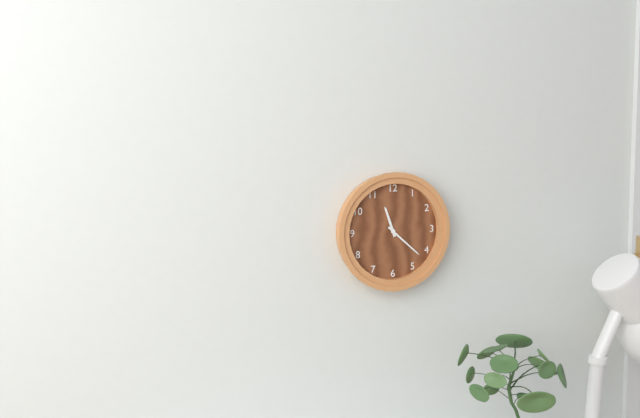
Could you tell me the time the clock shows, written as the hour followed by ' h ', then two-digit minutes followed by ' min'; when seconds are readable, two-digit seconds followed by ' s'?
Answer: 11 h 22 min
